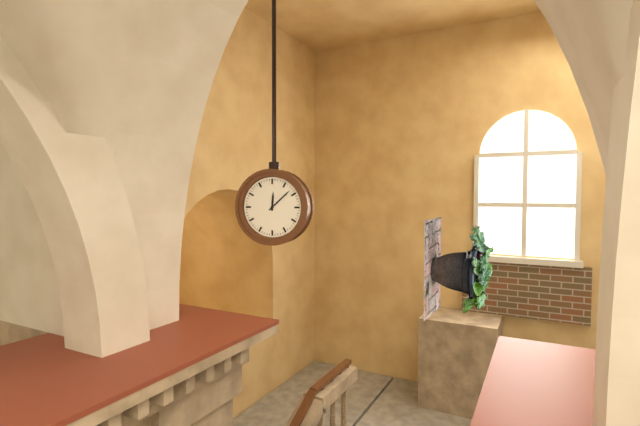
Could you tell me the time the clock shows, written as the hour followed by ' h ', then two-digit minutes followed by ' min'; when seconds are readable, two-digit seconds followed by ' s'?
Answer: 12 h 08 min
